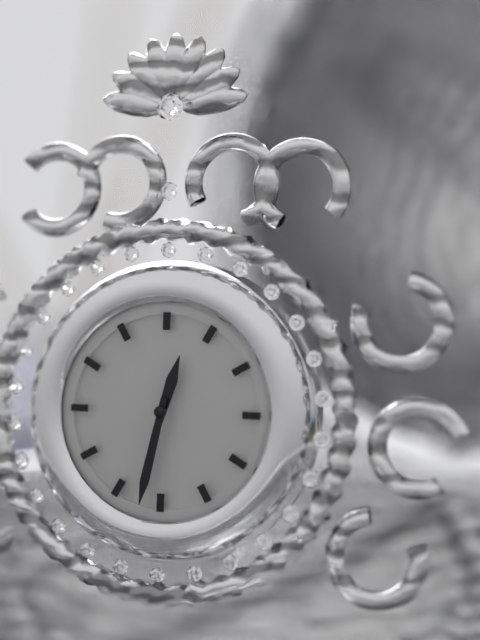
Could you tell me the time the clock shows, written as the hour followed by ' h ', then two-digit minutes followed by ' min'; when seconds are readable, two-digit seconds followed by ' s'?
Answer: 12 h 32 min
